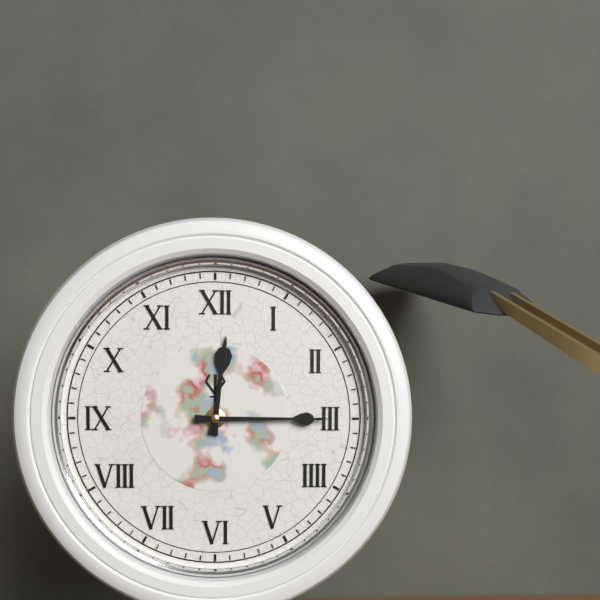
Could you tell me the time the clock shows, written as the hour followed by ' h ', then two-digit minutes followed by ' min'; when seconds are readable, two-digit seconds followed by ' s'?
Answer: 12 h 15 min
